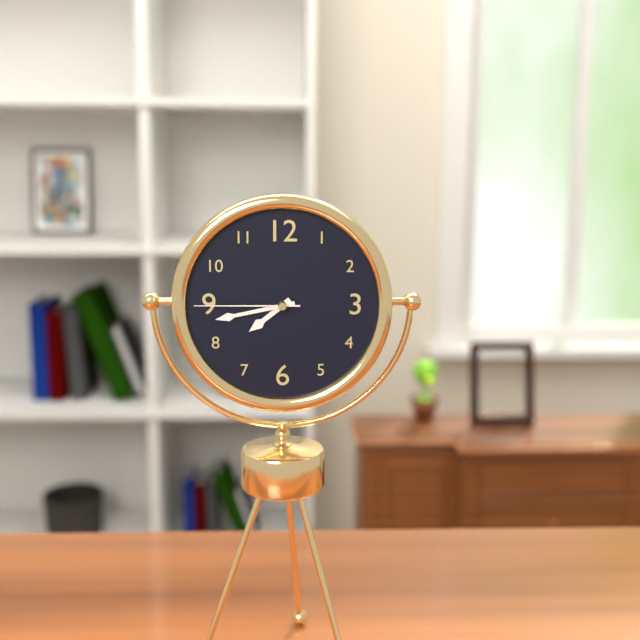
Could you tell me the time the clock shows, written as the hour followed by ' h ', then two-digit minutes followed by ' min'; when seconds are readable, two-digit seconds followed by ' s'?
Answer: 7 h 43 min 45 s
